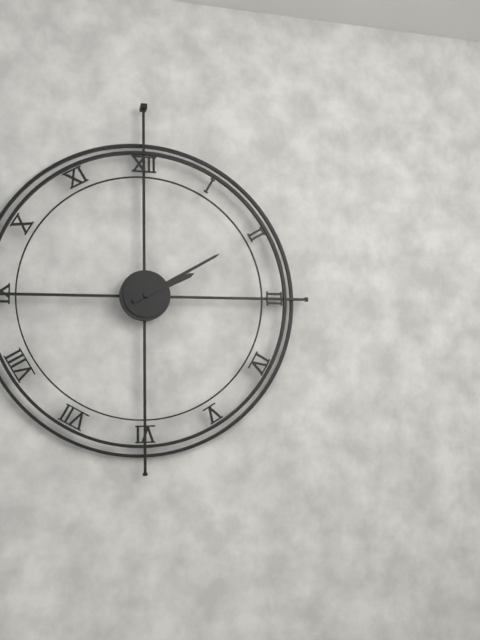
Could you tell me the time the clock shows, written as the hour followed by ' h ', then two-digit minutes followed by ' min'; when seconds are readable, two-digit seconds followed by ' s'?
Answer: 2 h 10 min
